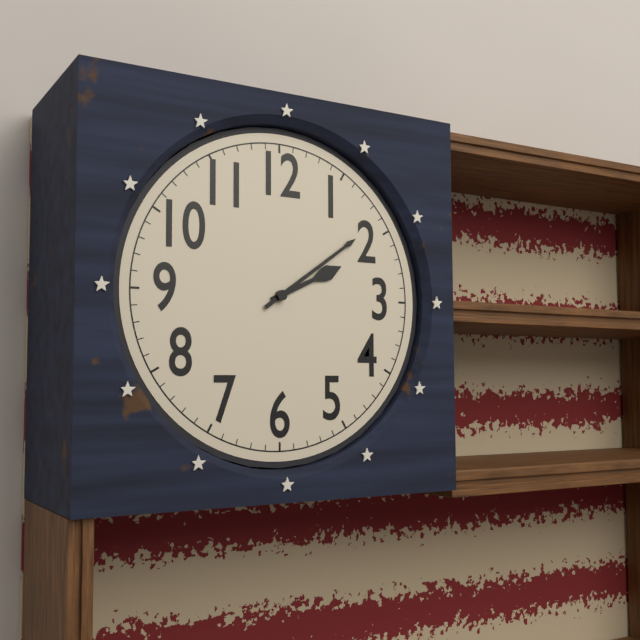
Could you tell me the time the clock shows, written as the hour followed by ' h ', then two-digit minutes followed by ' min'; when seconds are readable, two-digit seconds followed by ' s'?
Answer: 2 h 09 min
